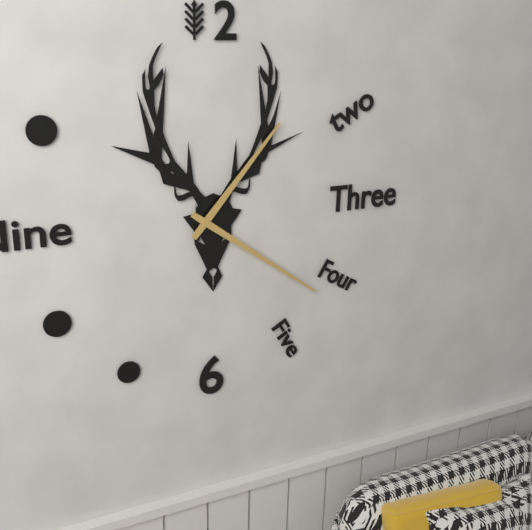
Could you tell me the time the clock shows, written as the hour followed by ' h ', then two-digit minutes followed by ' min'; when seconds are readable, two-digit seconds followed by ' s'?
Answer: 1 h 21 min
